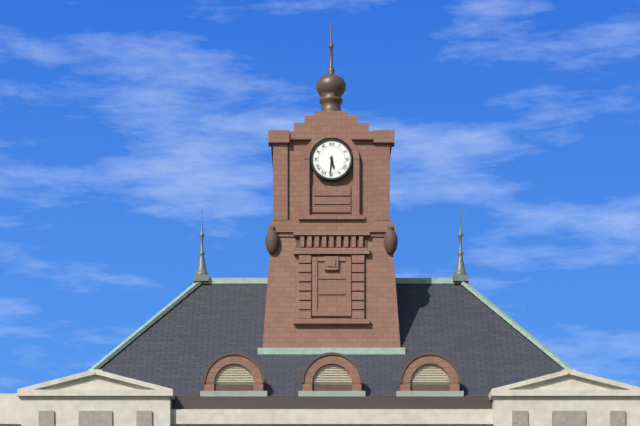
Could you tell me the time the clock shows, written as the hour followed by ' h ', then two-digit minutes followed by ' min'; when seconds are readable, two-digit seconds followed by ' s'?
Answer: 5 h 31 min
